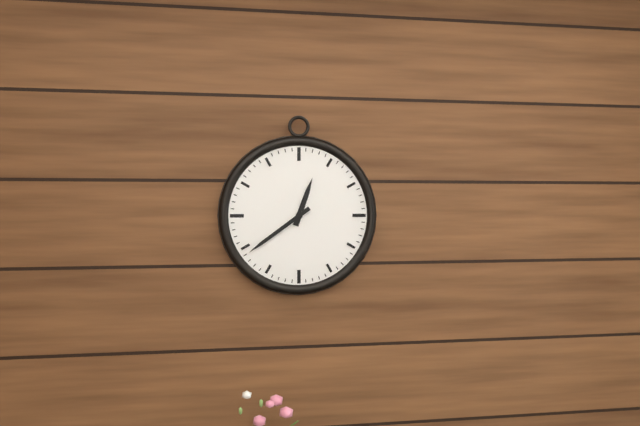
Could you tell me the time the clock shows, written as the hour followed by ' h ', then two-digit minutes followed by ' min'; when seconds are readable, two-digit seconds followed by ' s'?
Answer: 12 h 39 min
